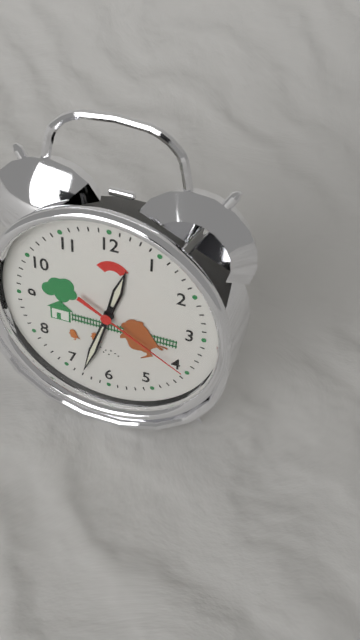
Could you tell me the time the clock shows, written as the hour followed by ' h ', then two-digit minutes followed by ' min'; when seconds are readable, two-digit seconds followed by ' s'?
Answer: 12 h 33 min 20 s
